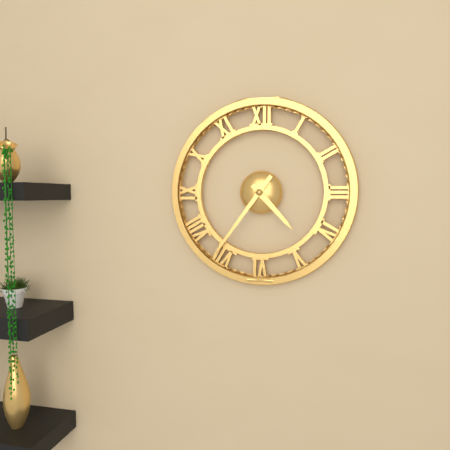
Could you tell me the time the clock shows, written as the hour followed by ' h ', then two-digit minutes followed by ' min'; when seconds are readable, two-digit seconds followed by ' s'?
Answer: 4 h 36 min
